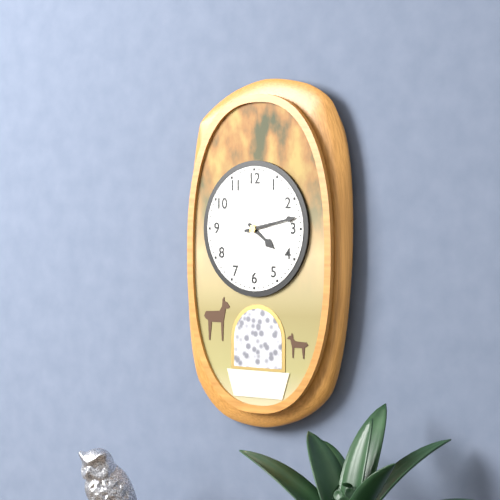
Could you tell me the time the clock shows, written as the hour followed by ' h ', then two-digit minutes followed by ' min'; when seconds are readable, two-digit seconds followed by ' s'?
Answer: 4 h 13 min
